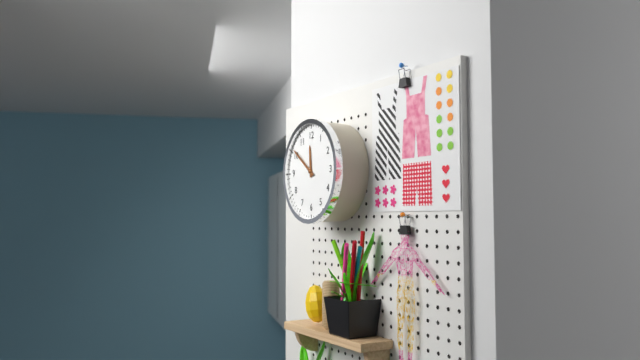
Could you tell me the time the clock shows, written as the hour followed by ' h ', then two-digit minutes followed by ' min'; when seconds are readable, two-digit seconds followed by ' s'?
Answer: 11 h 51 min
